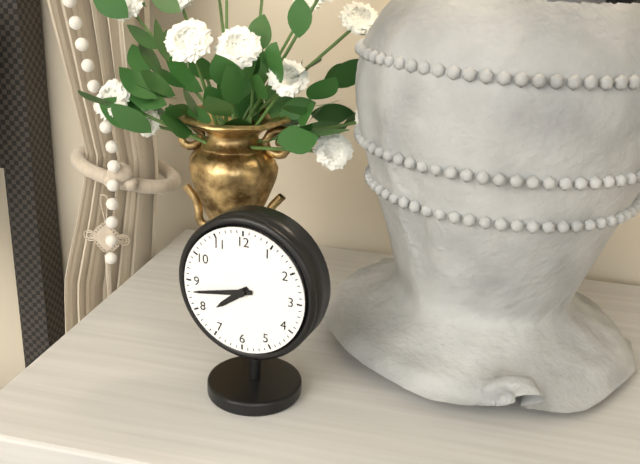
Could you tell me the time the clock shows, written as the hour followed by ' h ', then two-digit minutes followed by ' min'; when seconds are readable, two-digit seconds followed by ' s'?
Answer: 7 h 43 min
